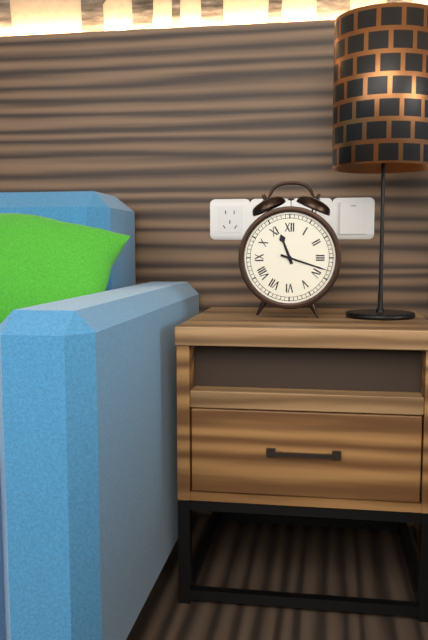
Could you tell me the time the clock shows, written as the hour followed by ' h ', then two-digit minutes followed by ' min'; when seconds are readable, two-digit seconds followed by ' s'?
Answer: 11 h 18 min
